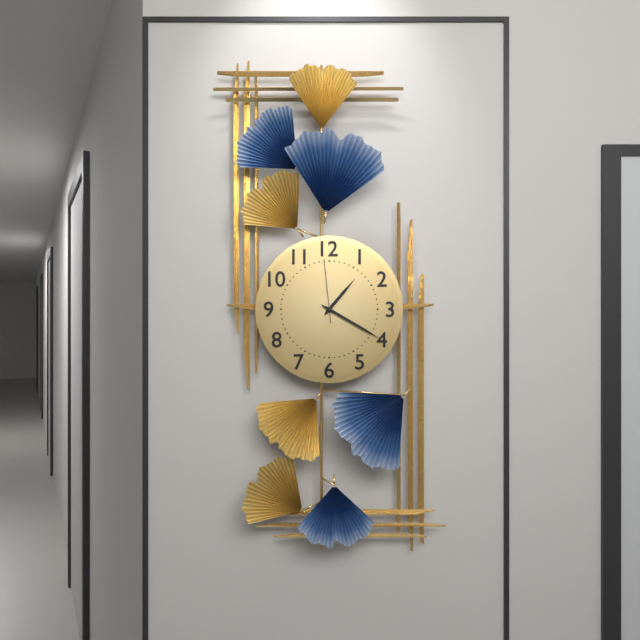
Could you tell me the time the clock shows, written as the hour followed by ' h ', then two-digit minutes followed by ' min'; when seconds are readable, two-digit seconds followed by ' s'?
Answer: 1 h 20 min 59 s
